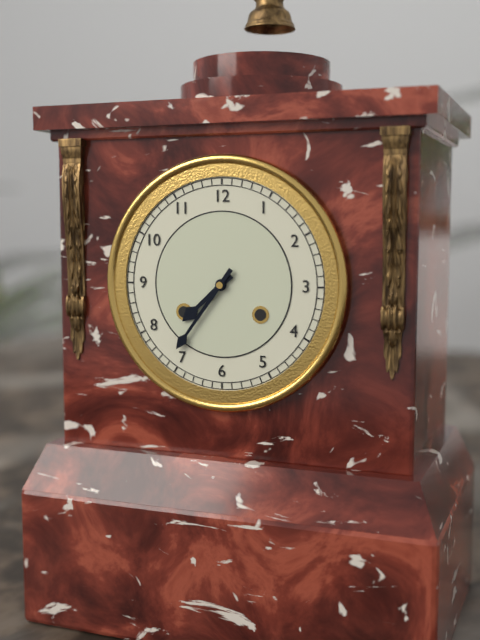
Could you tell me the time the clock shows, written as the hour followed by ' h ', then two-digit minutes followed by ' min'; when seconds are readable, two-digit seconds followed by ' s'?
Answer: 7 h 36 min
